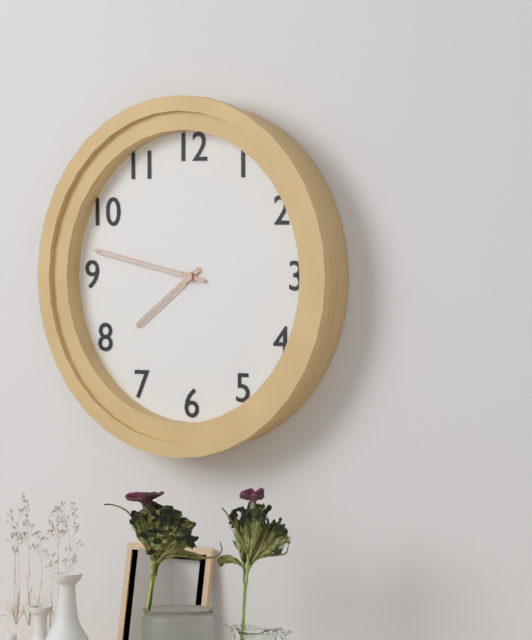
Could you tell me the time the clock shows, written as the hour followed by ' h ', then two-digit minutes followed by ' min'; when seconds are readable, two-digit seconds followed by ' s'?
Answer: 7 h 47 min
